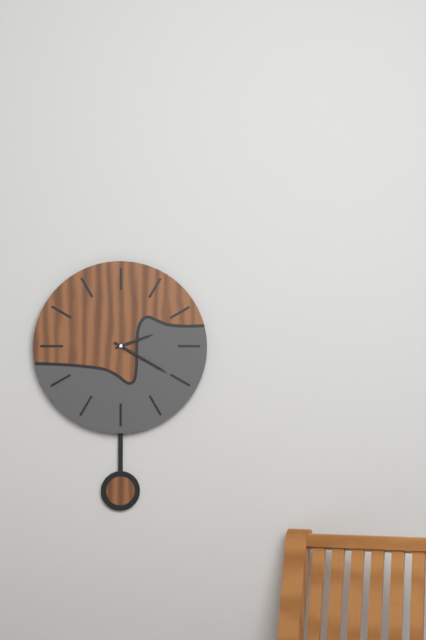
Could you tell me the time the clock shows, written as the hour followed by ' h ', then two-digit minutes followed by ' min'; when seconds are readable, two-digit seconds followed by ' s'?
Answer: 2 h 20 min
